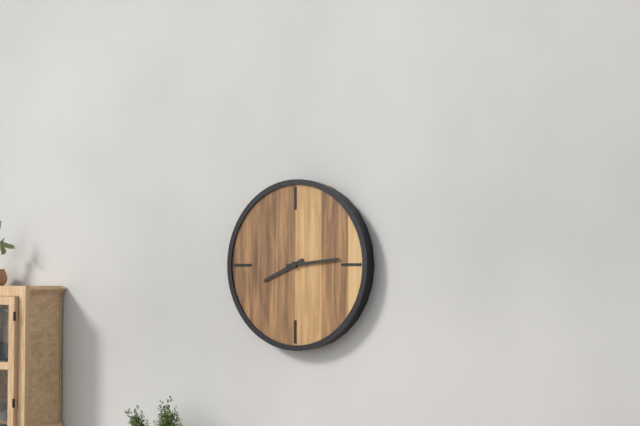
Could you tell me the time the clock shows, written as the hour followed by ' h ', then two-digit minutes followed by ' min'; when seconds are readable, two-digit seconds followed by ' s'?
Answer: 8 h 14 min
